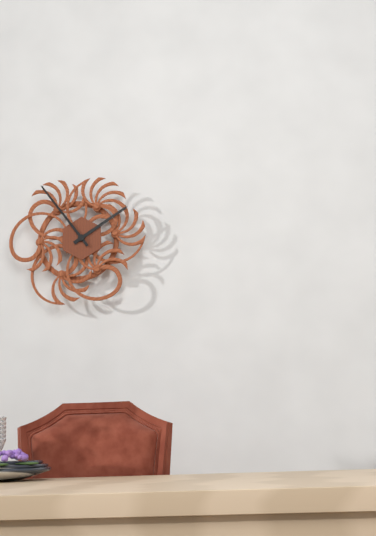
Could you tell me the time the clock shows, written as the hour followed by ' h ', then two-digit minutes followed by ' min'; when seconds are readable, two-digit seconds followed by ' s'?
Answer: 1 h 54 min
